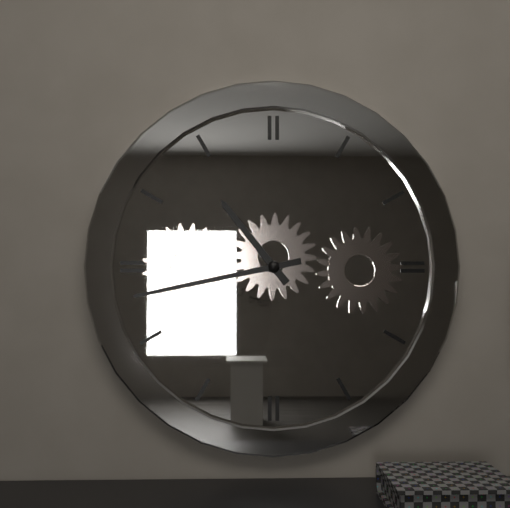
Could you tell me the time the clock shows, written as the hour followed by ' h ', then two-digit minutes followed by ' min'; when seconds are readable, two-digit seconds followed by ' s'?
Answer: 10 h 43 min
